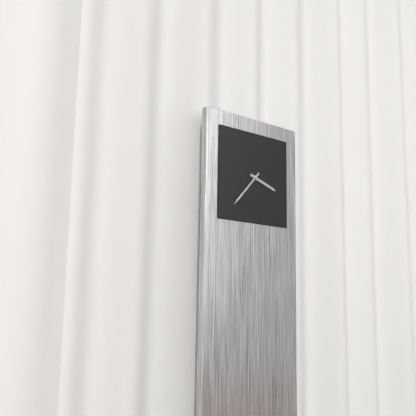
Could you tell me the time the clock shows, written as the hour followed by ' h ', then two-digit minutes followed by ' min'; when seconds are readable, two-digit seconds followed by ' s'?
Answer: 3 h 37 min
